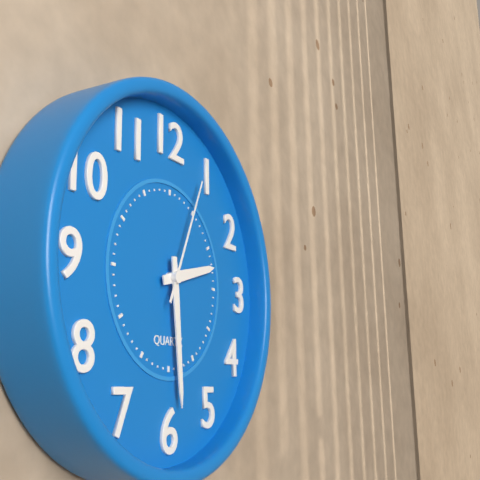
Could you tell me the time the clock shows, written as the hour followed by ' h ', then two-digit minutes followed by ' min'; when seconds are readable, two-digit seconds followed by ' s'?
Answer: 2 h 29 min 04 s
